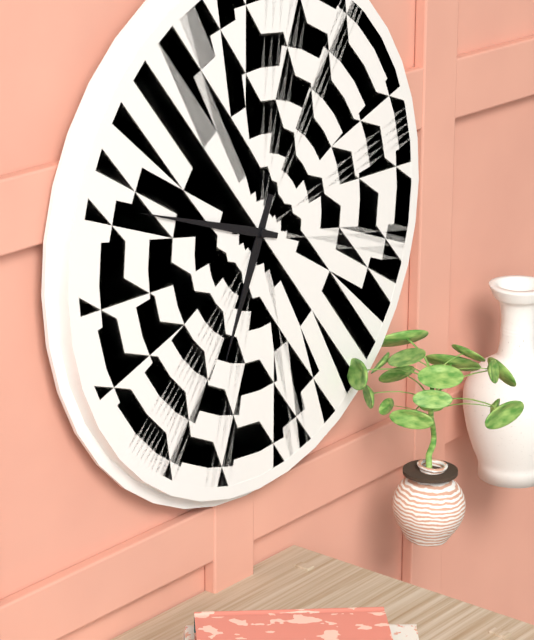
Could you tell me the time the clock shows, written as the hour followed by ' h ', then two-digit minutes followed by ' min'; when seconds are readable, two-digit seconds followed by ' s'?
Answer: 6 h 48 min
